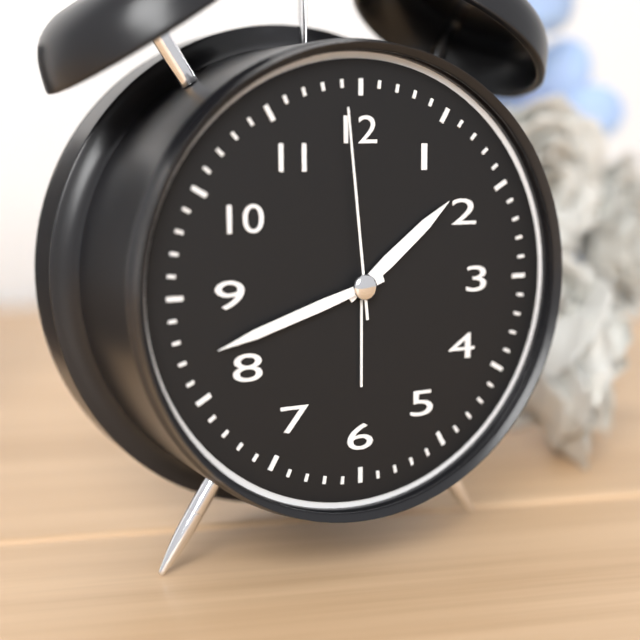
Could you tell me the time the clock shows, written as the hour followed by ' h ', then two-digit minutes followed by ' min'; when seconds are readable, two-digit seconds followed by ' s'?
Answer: 1 h 42 min 59 s
